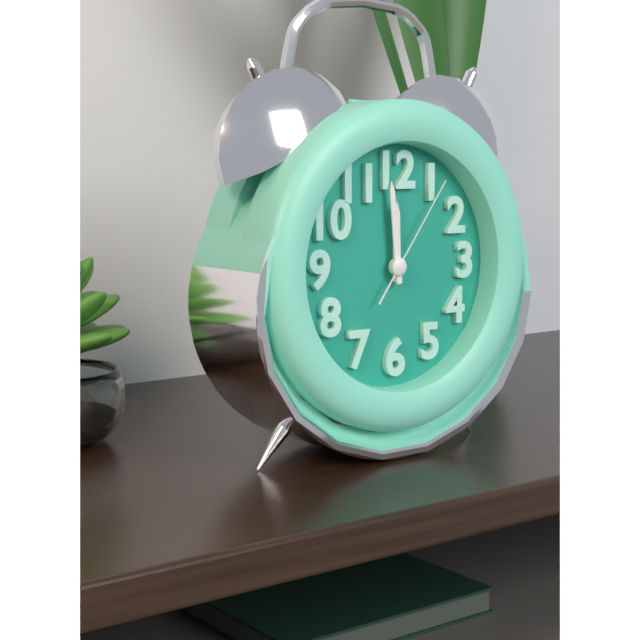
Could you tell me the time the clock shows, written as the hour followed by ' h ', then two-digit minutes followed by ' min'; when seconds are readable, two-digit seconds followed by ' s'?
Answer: 11 h 59 min 06 s
